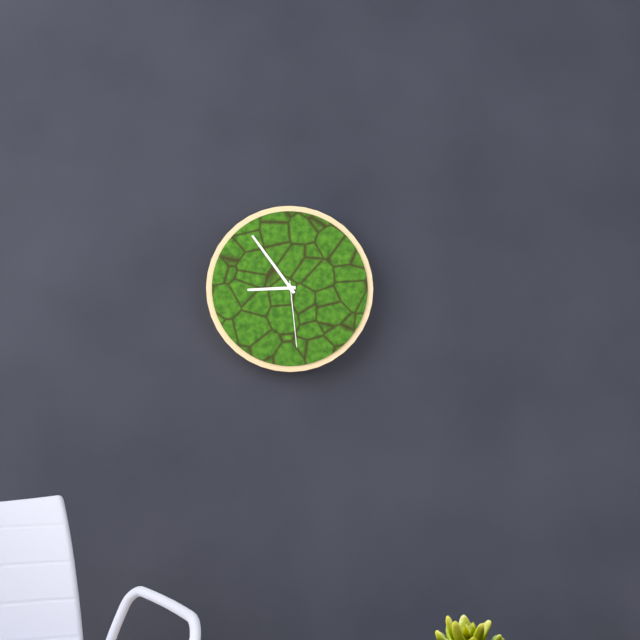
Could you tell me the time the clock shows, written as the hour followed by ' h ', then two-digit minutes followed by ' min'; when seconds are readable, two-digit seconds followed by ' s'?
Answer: 8 h 54 min 29 s
